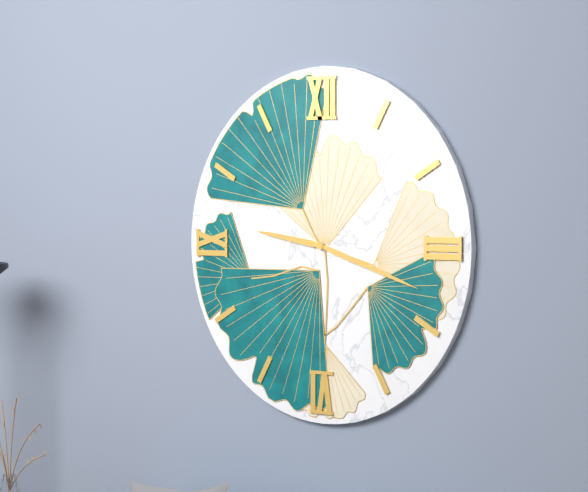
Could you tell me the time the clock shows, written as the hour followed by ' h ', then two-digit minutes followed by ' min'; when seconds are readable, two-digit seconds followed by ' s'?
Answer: 9 h 18 min
